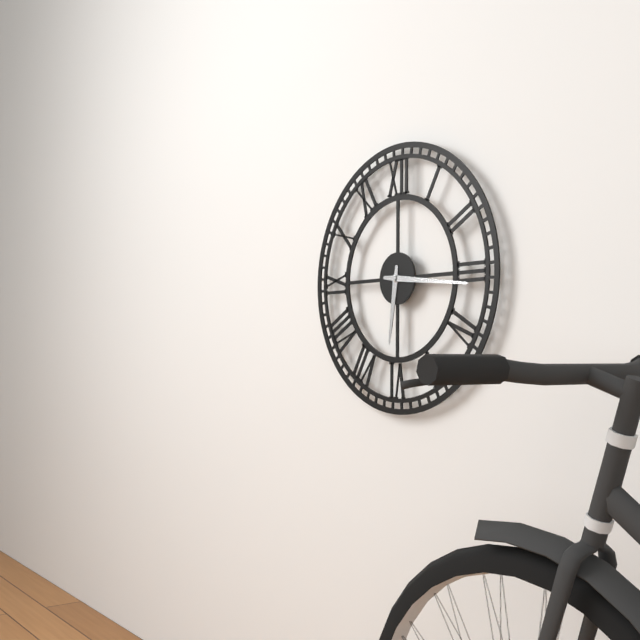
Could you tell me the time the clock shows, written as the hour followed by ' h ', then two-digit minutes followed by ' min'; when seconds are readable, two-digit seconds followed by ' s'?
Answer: 6 h 16 min
